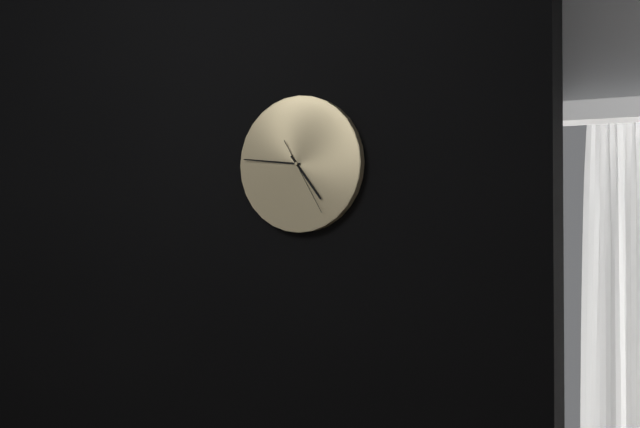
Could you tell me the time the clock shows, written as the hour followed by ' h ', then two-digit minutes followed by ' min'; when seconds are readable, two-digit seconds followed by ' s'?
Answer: 4 h 46 min 25 s
